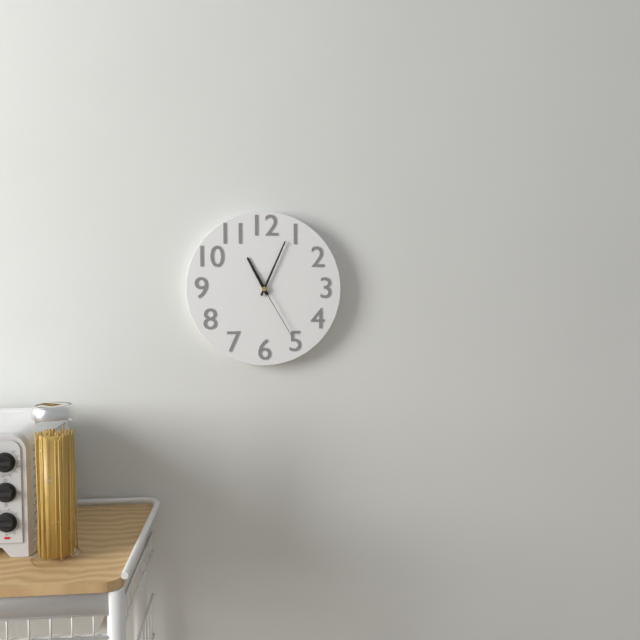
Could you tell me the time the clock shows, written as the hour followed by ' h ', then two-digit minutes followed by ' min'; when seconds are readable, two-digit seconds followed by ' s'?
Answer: 11 h 04 min 25 s
